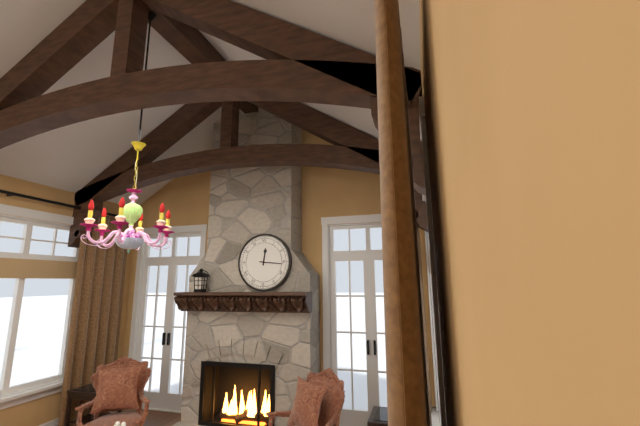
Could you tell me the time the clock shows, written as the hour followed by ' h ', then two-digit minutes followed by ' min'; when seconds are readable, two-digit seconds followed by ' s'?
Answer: 12 h 16 min
